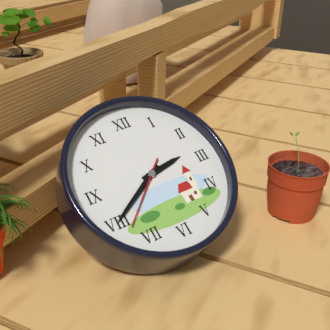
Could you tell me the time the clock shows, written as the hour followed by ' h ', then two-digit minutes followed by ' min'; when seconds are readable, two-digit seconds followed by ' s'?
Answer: 2 h 40 min 38 s
